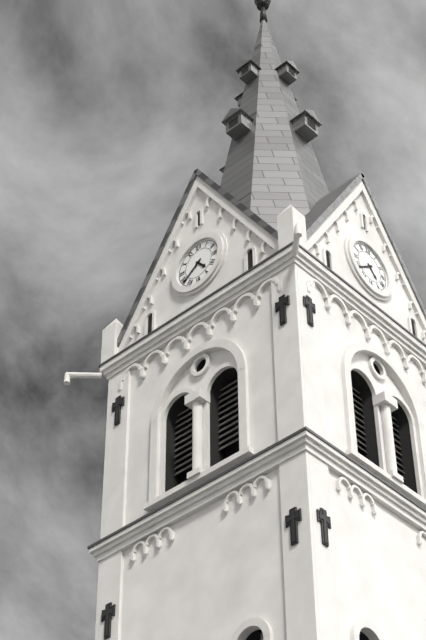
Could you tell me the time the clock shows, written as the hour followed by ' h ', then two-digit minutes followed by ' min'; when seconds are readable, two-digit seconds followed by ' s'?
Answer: 4 h 39 min
